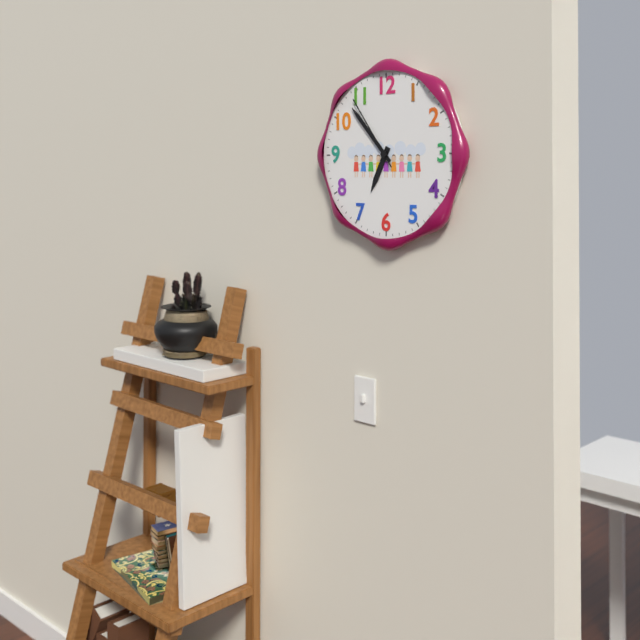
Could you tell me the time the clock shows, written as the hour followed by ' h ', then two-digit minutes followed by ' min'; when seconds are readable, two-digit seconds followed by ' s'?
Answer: 6 h 53 min 54 s
